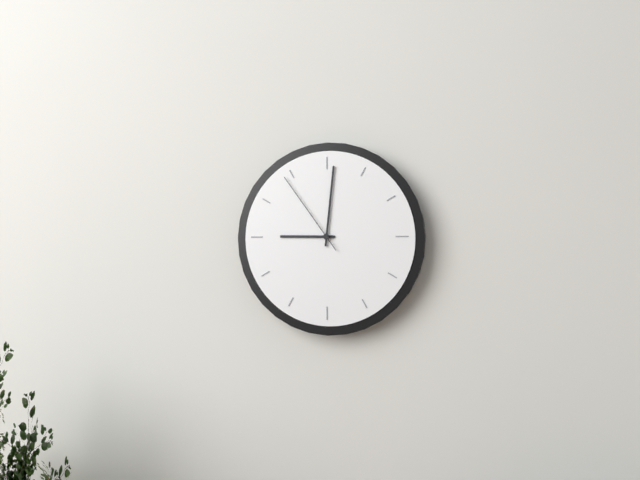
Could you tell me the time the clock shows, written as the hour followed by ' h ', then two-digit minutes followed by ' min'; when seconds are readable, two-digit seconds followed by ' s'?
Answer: 9 h 01 min 54 s
